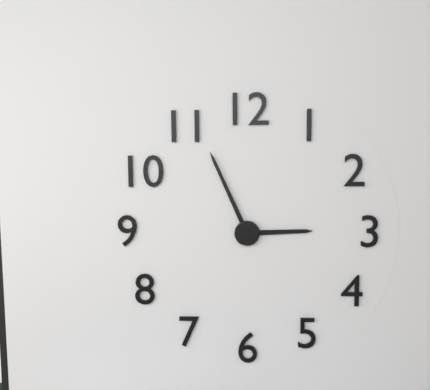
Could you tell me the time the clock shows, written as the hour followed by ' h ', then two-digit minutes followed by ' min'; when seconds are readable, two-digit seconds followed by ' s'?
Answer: 2 h 56 min
